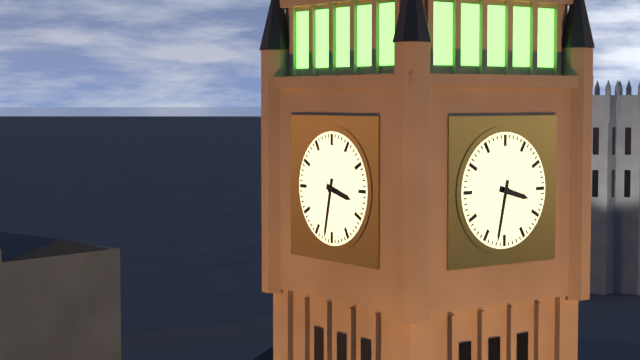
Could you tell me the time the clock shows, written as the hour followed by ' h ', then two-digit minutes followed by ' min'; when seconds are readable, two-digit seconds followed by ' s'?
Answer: 3 h 32 min
